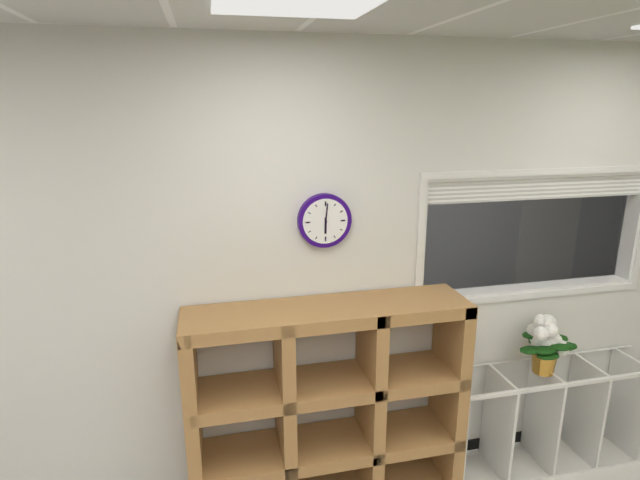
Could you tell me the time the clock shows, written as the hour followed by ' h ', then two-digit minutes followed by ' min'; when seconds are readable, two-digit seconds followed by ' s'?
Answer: 6 h 01 min
